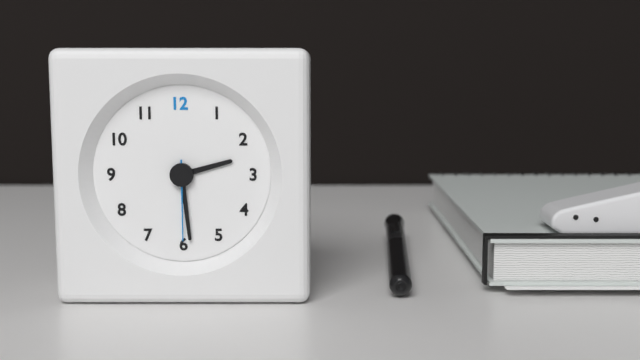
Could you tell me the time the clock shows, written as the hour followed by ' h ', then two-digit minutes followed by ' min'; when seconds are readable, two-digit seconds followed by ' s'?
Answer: 2 h 29 min 30 s
